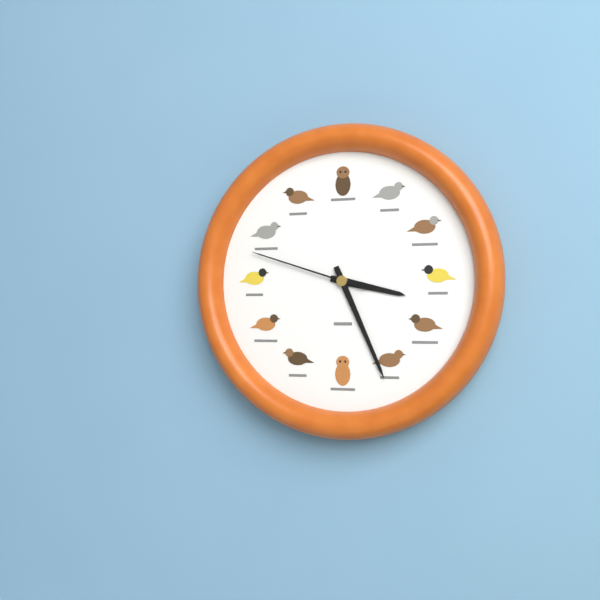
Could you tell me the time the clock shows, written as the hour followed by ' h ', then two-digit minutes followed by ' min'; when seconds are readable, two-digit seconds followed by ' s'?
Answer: 3 h 26 min 48 s
